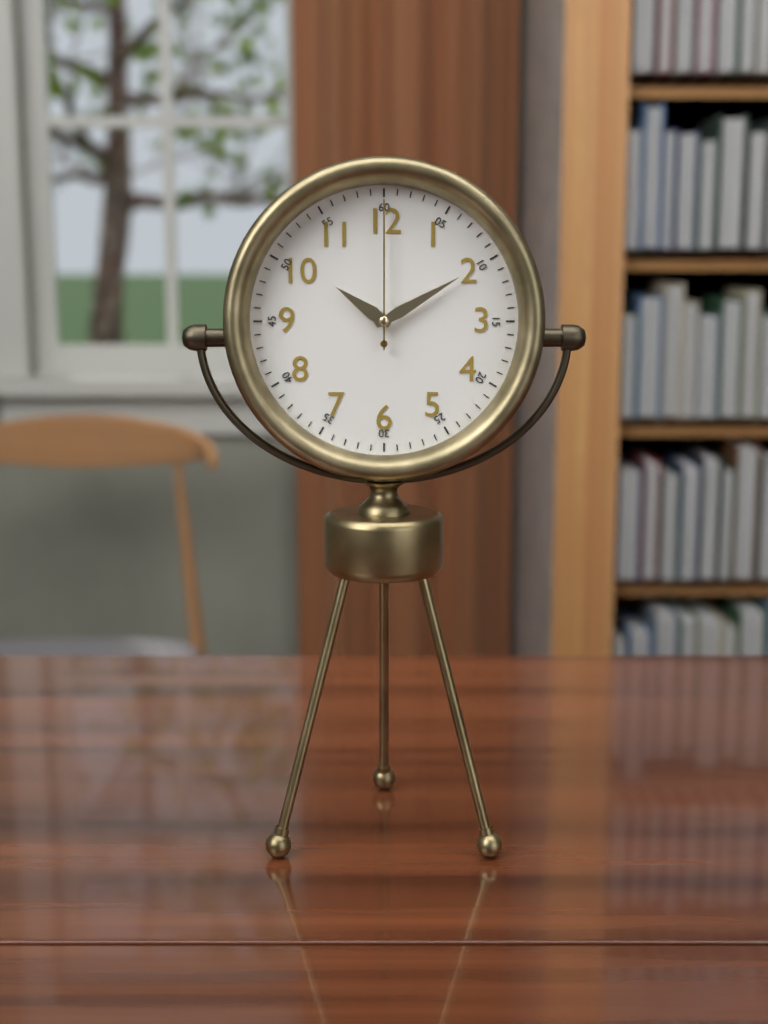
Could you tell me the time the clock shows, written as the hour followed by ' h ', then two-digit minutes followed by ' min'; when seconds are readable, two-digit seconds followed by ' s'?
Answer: 10 h 10 min 00 s
